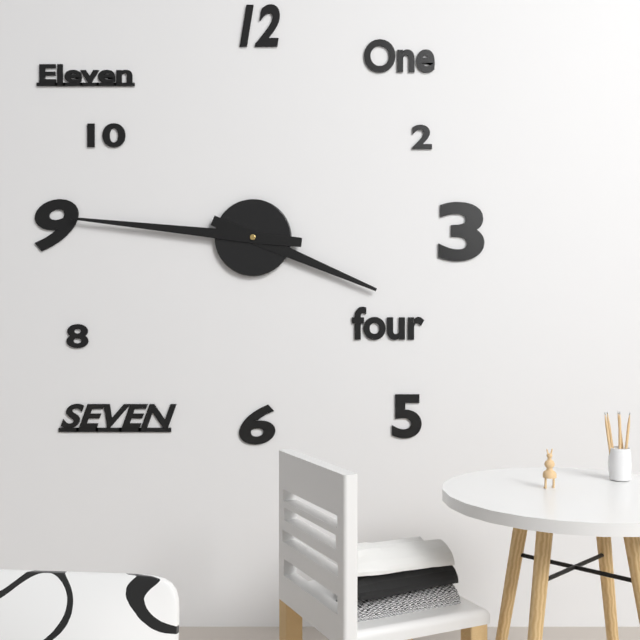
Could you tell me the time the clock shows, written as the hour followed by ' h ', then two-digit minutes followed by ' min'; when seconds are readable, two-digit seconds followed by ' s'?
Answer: 3 h 46 min
